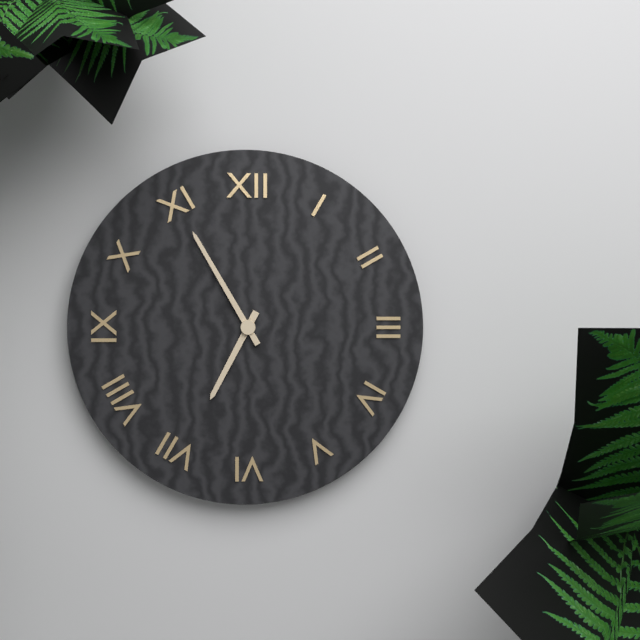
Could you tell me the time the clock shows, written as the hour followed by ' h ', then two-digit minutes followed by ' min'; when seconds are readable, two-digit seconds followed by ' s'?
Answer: 6 h 55 min
